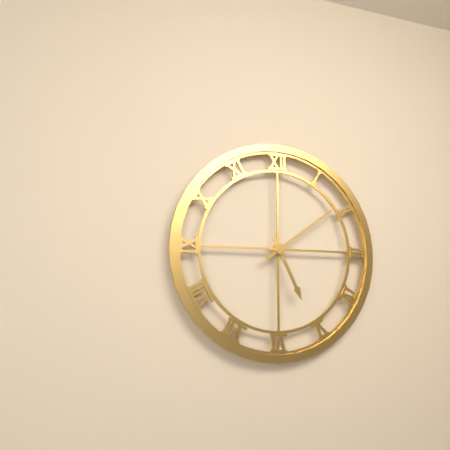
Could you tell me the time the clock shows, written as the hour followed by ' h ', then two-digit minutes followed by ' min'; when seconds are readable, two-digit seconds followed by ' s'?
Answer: 5 h 09 min
